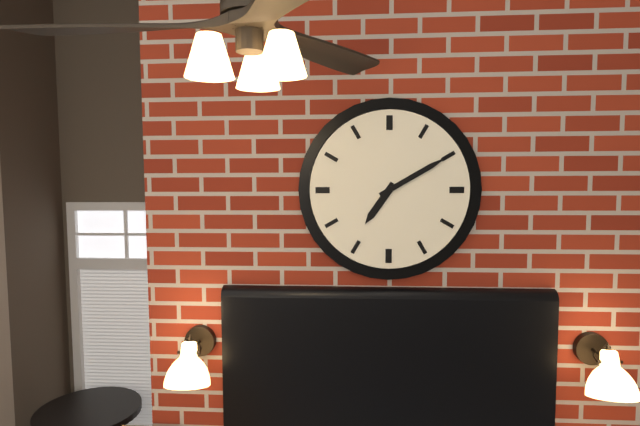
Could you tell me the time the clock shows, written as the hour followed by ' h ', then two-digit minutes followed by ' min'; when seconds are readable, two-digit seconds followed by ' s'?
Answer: 7 h 10 min
